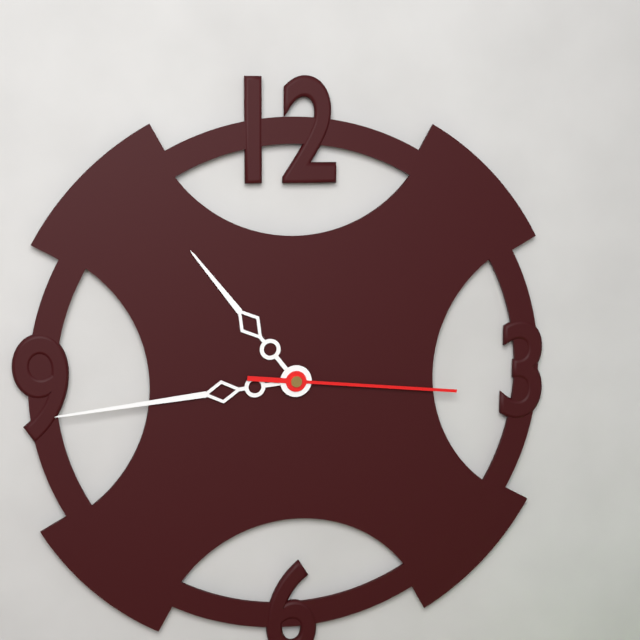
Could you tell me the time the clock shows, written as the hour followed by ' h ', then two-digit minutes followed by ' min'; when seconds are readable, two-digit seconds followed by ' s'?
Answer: 10 h 44 min 16 s
